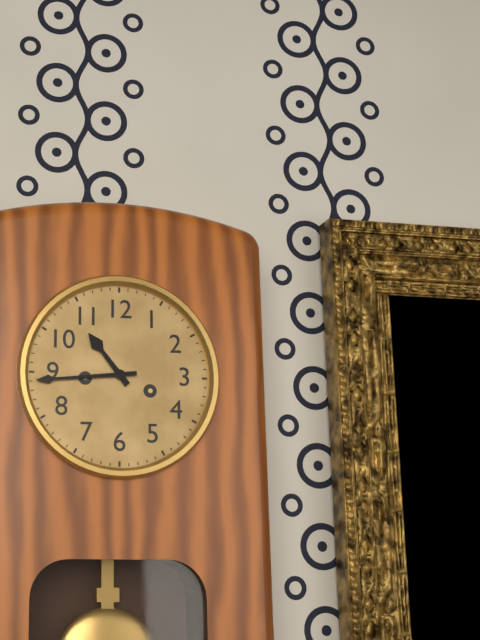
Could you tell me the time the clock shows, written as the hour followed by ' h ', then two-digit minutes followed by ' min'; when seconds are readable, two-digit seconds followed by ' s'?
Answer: 10 h 44 min
